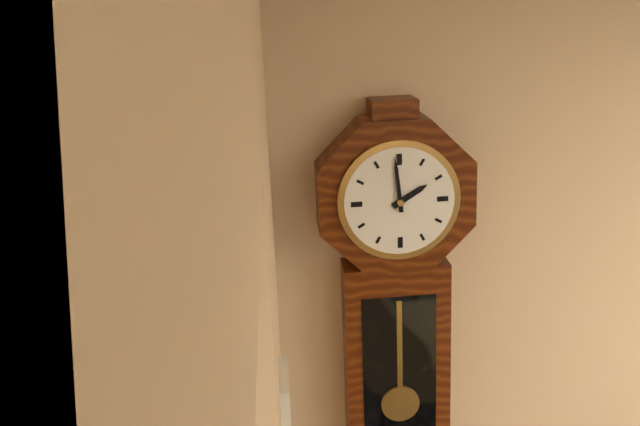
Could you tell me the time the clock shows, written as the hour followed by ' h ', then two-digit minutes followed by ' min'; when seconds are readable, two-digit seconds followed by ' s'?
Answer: 1 h 59 min
